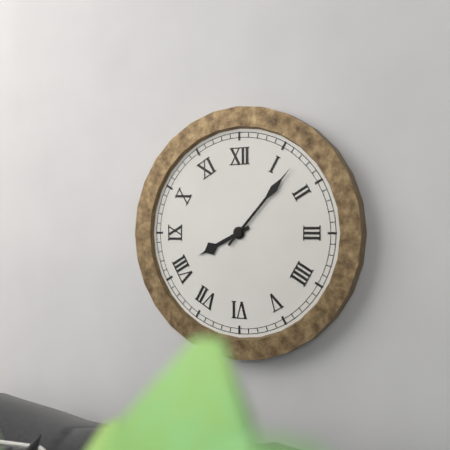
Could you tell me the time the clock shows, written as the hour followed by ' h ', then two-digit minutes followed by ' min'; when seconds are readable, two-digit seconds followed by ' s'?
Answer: 8 h 07 min
